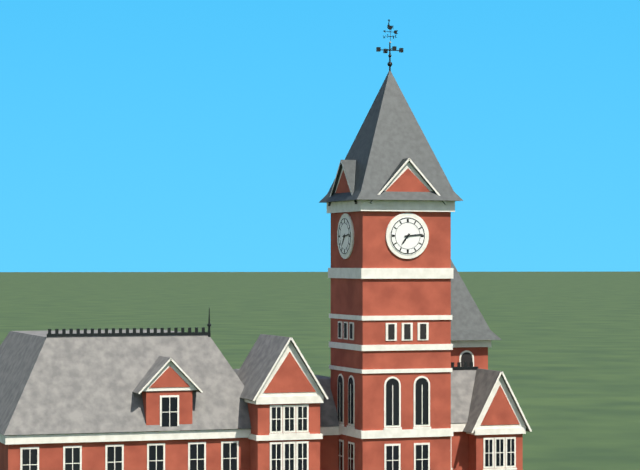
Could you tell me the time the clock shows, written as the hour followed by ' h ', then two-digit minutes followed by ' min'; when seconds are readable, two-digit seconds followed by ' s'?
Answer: 7 h 14 min
